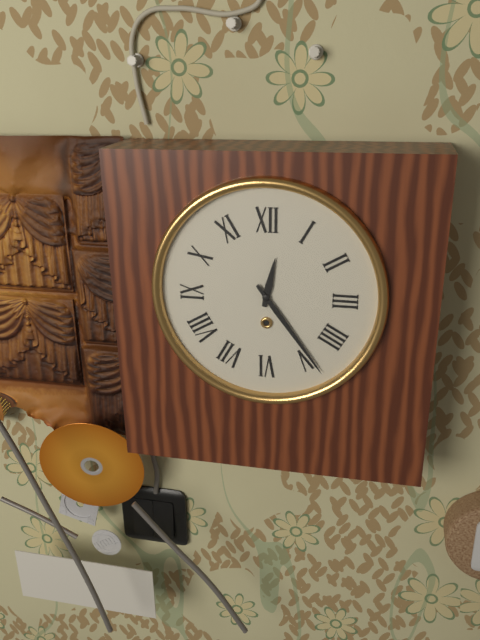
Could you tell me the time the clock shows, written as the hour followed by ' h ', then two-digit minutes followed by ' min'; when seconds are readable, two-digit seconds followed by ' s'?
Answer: 12 h 24 min
